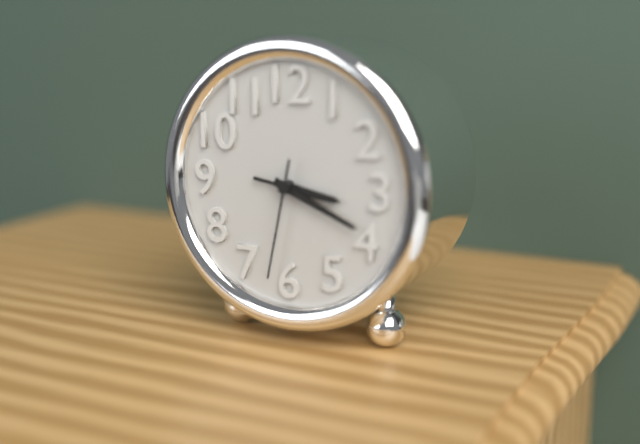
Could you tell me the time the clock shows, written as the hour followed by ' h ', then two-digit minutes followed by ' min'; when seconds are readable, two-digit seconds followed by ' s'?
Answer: 3 h 19 min 32 s
